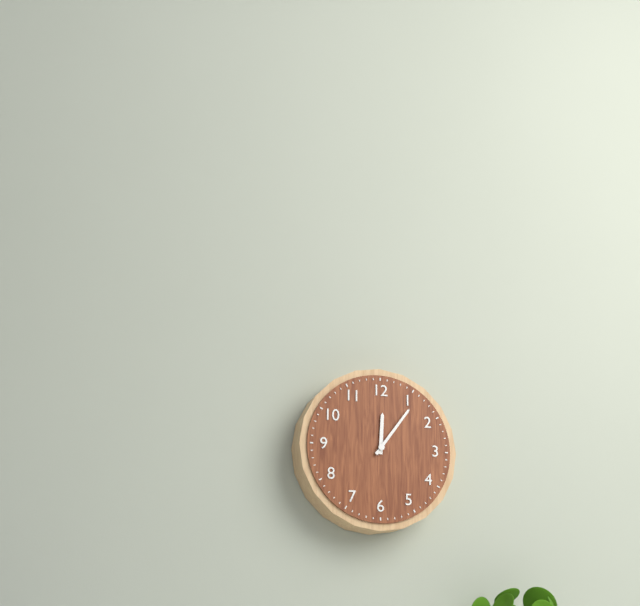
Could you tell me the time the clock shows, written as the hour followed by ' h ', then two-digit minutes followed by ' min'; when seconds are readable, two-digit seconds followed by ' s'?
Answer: 12 h 06 min
